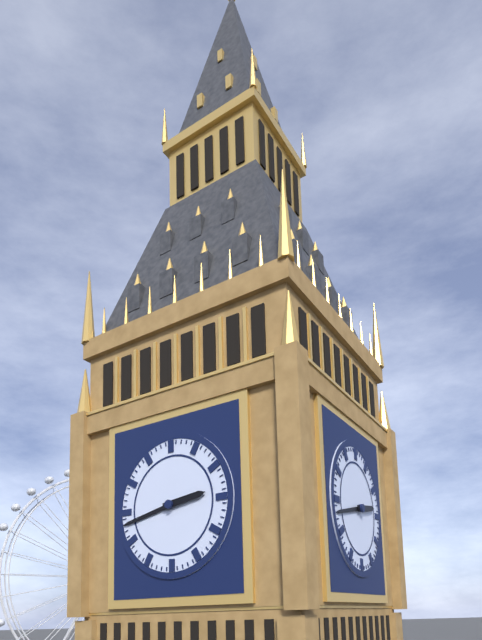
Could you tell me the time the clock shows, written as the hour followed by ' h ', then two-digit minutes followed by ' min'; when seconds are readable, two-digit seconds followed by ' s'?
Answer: 2 h 43 min
